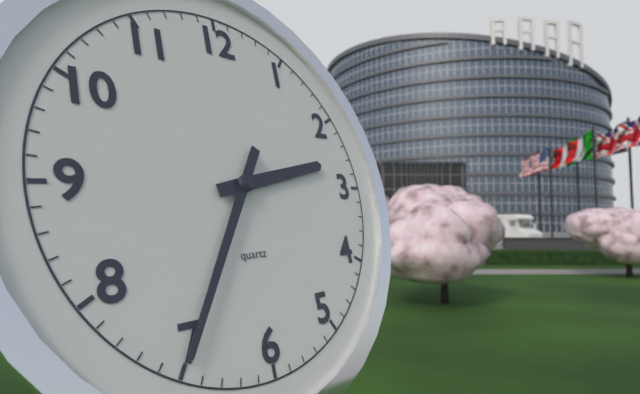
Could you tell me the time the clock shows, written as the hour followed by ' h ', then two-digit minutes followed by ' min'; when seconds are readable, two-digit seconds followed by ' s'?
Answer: 2 h 35 min
